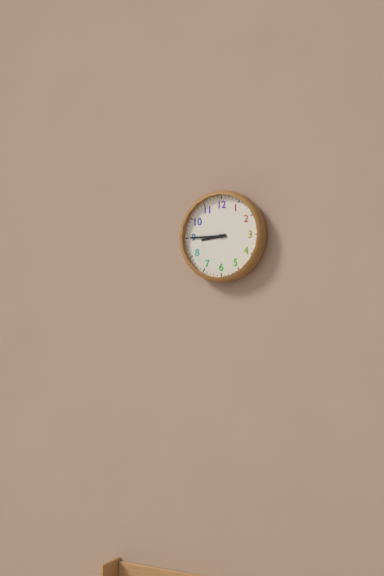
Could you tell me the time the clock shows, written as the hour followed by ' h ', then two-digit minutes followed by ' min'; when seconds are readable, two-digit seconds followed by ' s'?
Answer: 8 h 45 min
